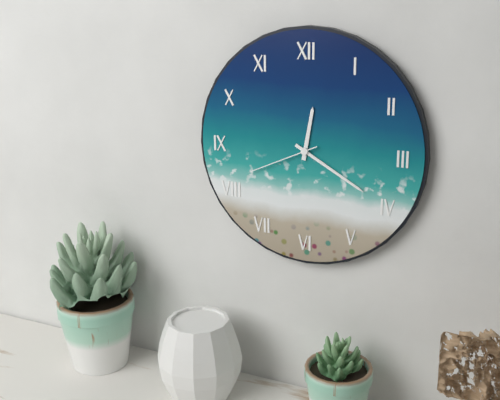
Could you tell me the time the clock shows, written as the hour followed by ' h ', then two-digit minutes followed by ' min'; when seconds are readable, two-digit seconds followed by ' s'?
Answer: 12 h 20 min 41 s
